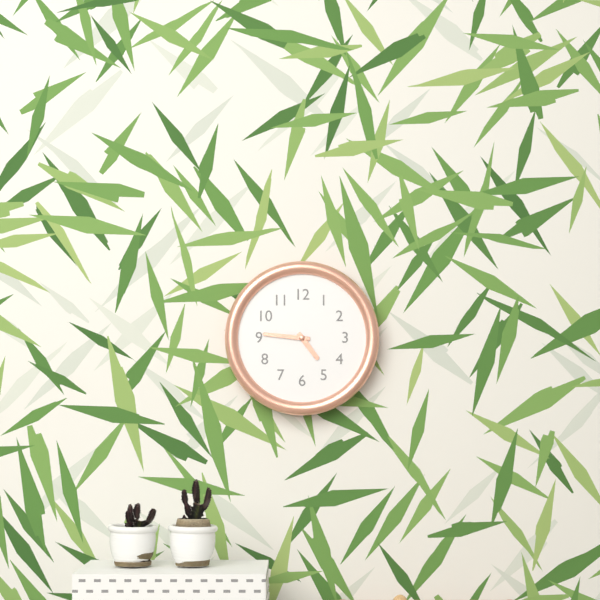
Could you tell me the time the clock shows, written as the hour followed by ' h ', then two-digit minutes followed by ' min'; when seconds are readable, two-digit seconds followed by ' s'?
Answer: 4 h 46 min
